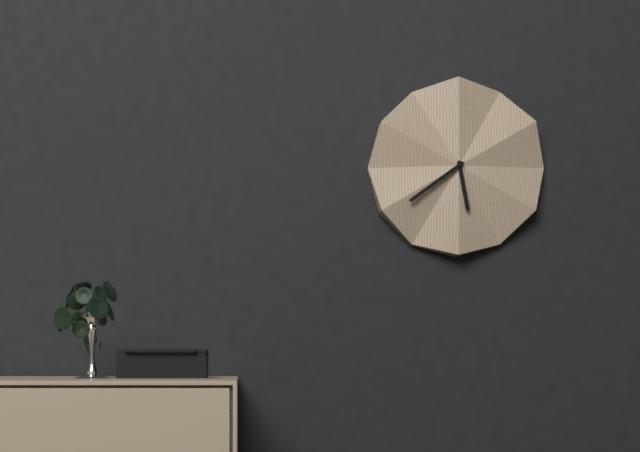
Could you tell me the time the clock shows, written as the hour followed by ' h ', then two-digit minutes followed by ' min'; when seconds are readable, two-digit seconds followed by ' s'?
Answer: 5 h 39 min
